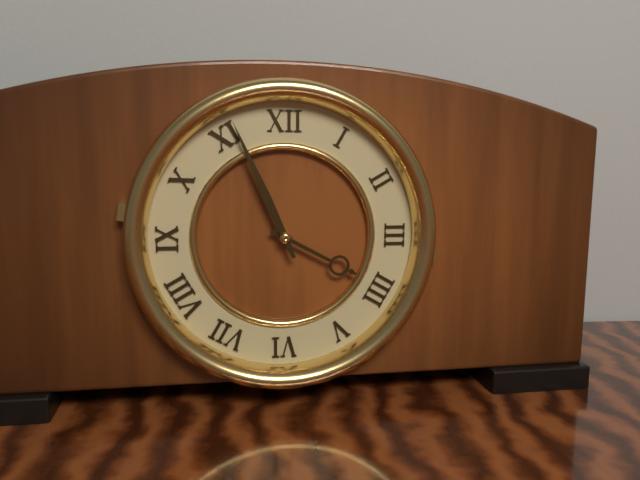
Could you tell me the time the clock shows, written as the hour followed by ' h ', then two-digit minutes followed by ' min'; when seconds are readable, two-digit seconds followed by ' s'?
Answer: 3 h 56 min
